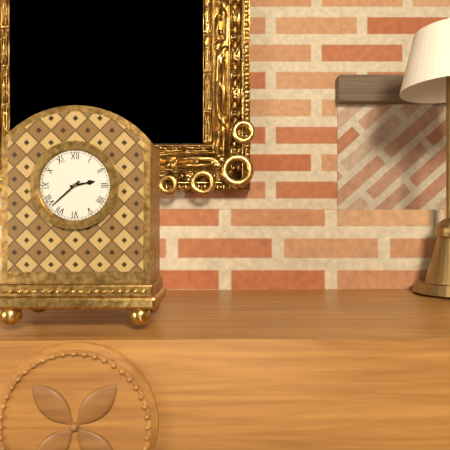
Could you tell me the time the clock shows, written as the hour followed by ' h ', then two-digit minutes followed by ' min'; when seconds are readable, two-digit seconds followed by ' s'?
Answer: 2 h 38 min
